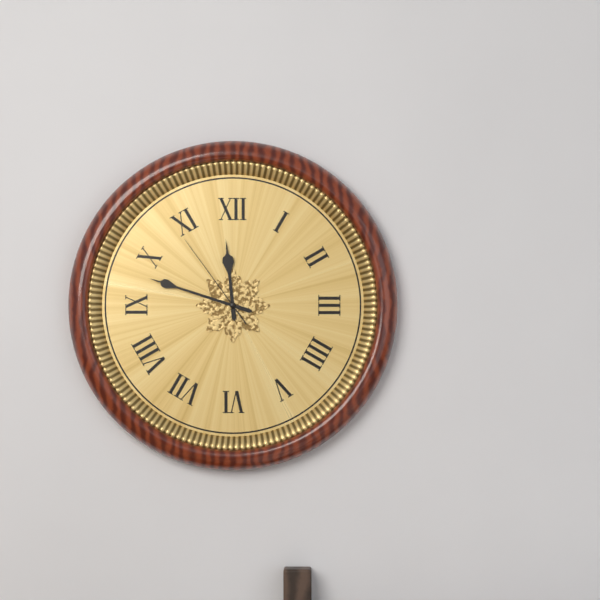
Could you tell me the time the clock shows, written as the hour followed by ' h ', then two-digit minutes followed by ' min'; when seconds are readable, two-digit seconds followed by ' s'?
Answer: 11 h 48 min 54 s
